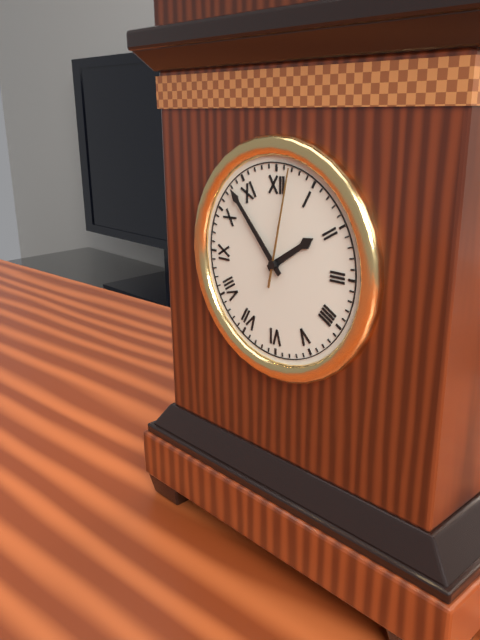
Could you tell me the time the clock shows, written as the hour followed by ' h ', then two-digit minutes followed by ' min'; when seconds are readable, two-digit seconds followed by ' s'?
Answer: 1 h 53 min 02 s
